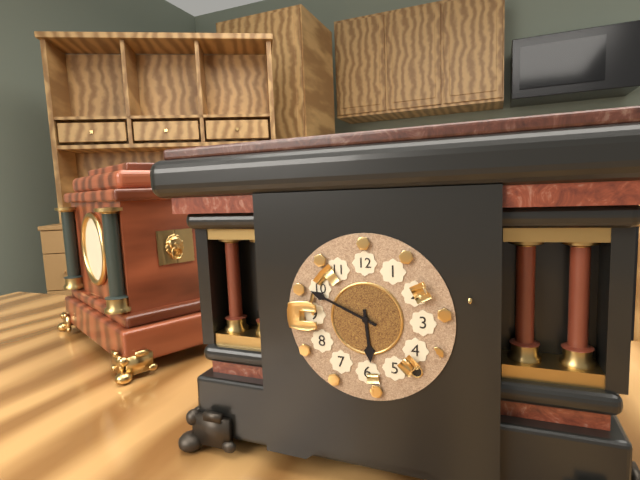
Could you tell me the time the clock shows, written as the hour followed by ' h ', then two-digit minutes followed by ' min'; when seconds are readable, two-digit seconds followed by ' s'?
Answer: 5 h 49 min
